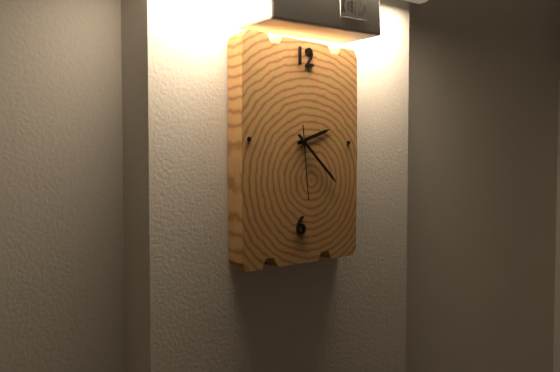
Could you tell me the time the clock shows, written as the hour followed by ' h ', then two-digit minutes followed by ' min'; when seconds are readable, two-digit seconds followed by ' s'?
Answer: 2 h 22 min 29 s
